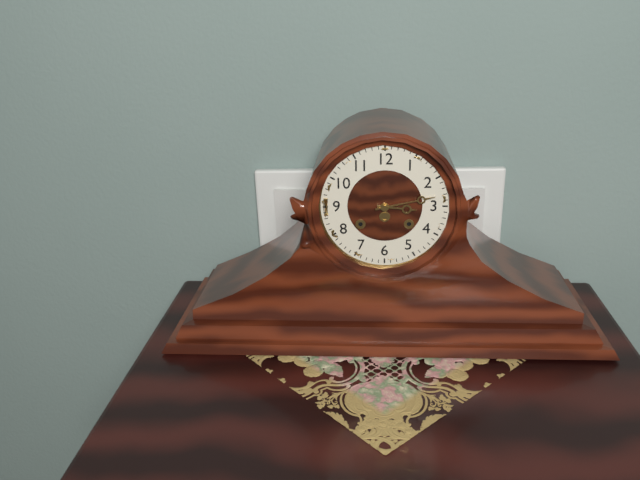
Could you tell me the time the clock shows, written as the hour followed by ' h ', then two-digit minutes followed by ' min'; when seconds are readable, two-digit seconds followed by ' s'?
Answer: 3 h 13 min
